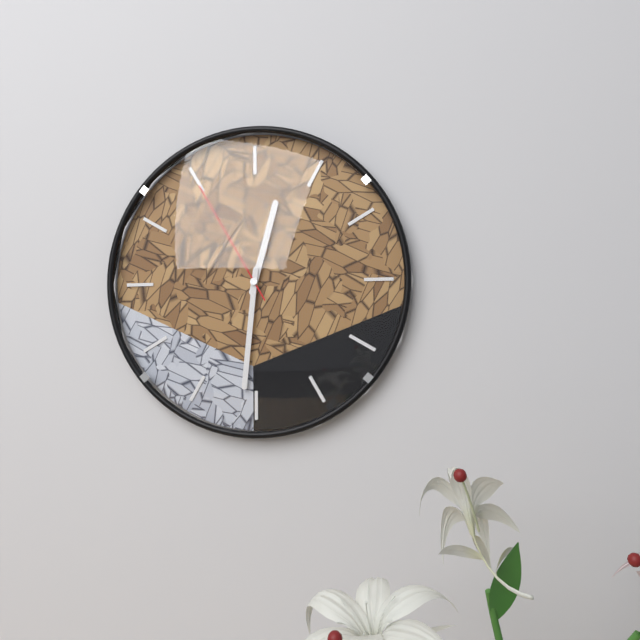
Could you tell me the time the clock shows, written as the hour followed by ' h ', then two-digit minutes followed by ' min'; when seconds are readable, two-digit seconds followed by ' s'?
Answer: 12 h 31 min 55 s
